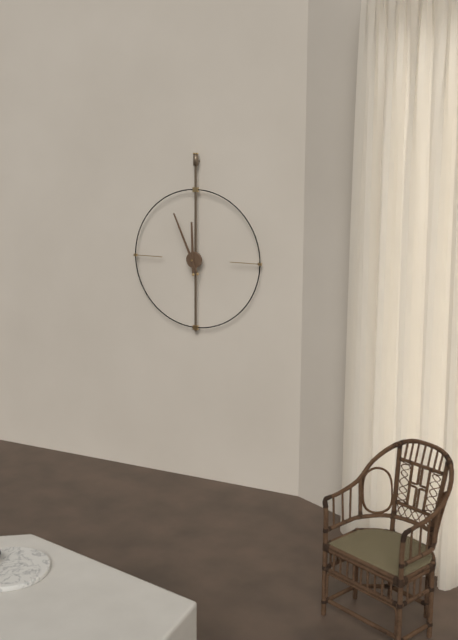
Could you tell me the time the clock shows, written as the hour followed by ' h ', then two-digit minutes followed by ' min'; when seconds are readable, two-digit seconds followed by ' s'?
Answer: 11 h 56 min
